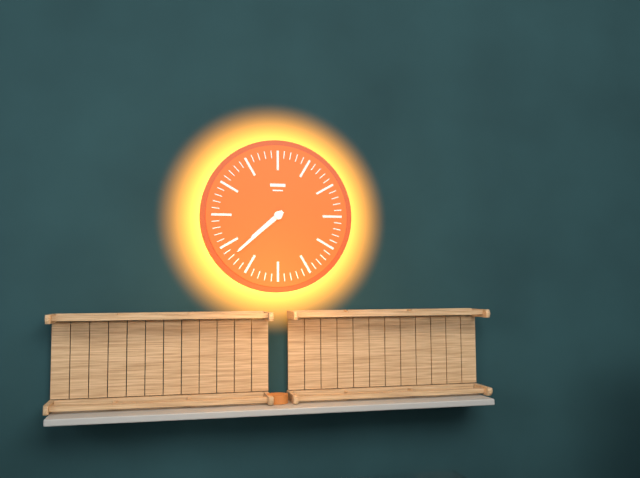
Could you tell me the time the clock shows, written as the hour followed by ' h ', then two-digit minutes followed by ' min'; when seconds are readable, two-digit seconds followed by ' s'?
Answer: 7 h 38 min
